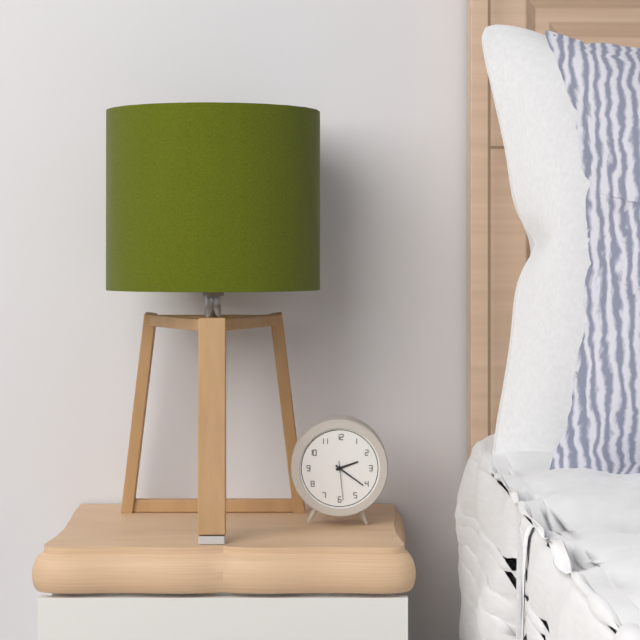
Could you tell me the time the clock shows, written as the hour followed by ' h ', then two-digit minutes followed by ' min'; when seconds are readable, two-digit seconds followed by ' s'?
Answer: 2 h 21 min
